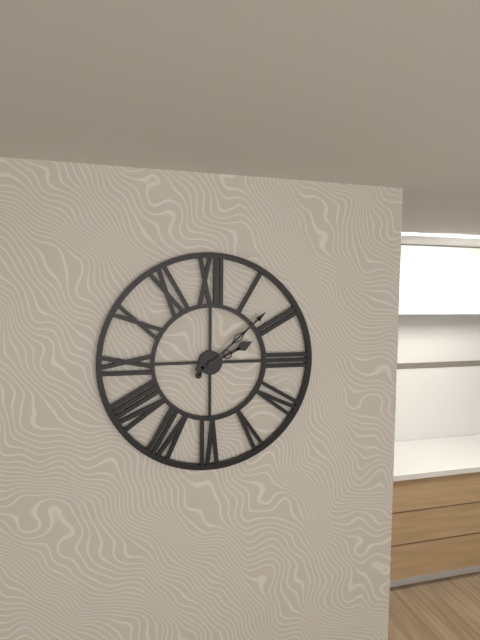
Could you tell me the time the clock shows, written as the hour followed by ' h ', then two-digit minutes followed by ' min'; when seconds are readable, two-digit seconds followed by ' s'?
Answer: 2 h 08 min
